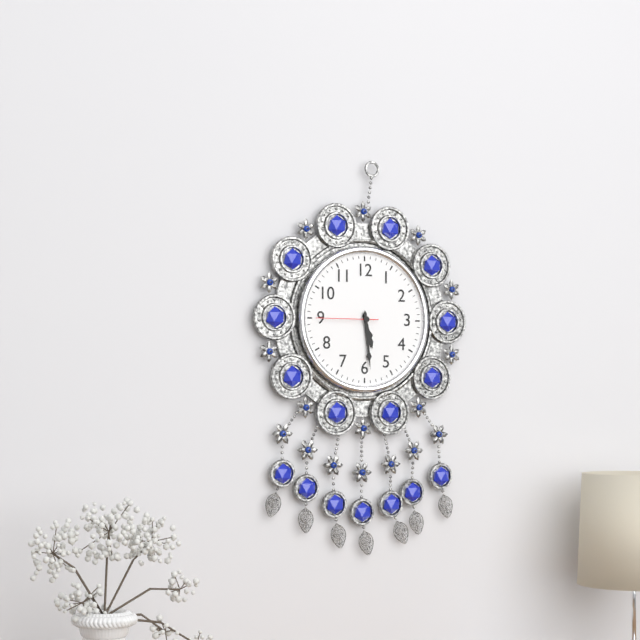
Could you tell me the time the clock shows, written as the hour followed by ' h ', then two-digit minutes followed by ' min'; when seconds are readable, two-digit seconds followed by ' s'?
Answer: 5 h 29 min 45 s
